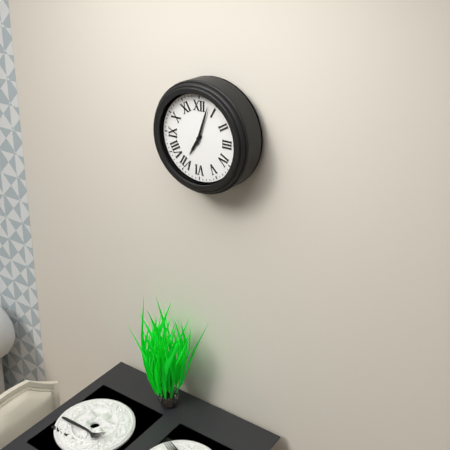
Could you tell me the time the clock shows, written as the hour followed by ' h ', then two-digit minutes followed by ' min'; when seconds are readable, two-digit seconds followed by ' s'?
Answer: 7 h 03 min
